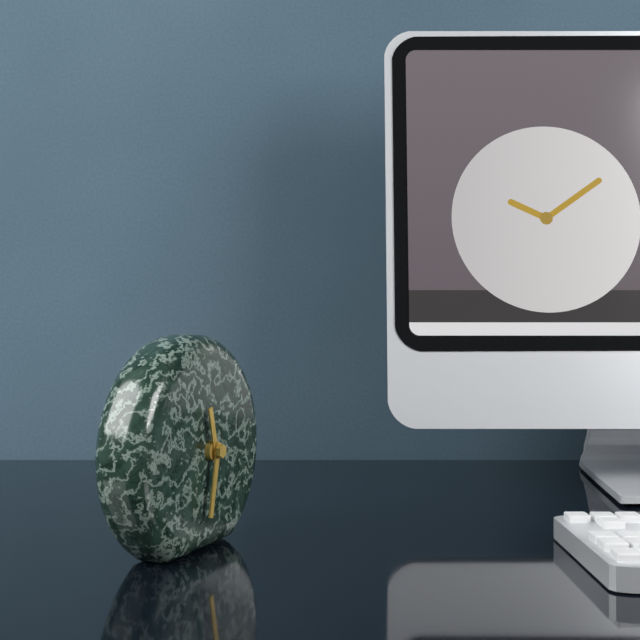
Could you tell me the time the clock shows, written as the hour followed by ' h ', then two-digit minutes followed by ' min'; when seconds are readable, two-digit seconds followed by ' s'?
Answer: 11 h 32 min
